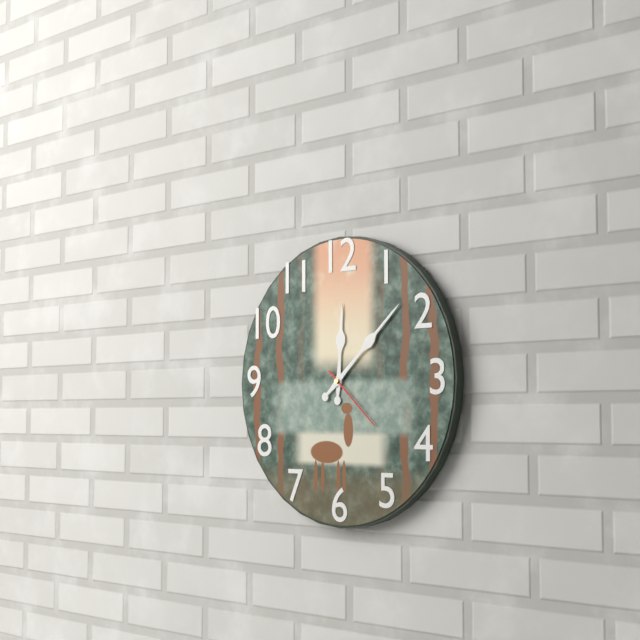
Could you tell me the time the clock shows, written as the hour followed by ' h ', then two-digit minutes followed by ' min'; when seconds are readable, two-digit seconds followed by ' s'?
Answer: 12 h 08 min 22 s
